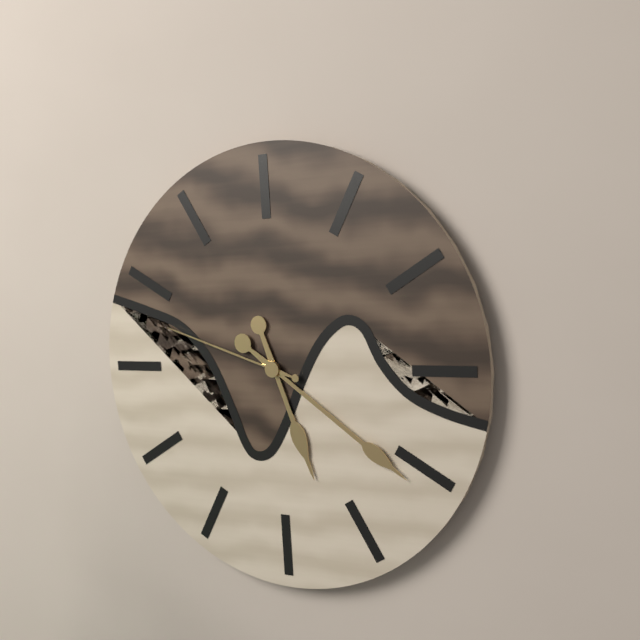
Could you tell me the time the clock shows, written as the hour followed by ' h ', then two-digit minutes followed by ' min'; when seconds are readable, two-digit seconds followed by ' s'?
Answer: 5 h 21 min 48 s
